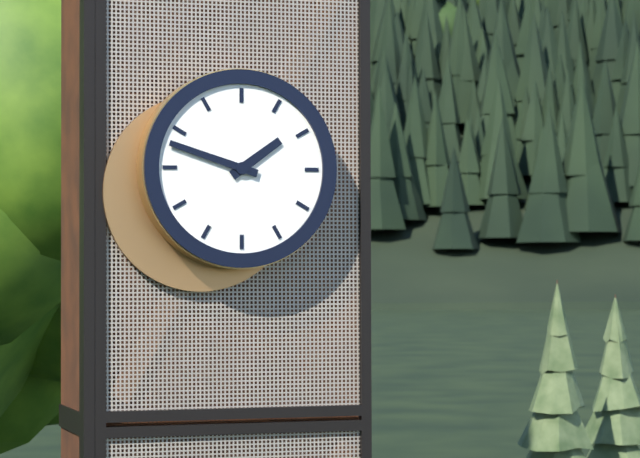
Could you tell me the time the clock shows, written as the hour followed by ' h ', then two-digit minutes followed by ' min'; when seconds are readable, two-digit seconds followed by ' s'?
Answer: 1 h 48 min
